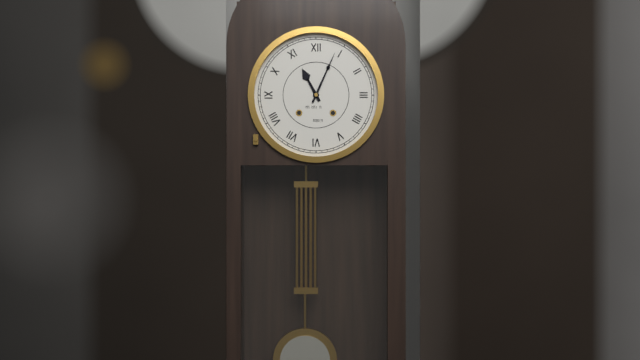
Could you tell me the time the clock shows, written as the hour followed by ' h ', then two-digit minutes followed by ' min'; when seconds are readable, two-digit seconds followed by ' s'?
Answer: 11 h 04 min
